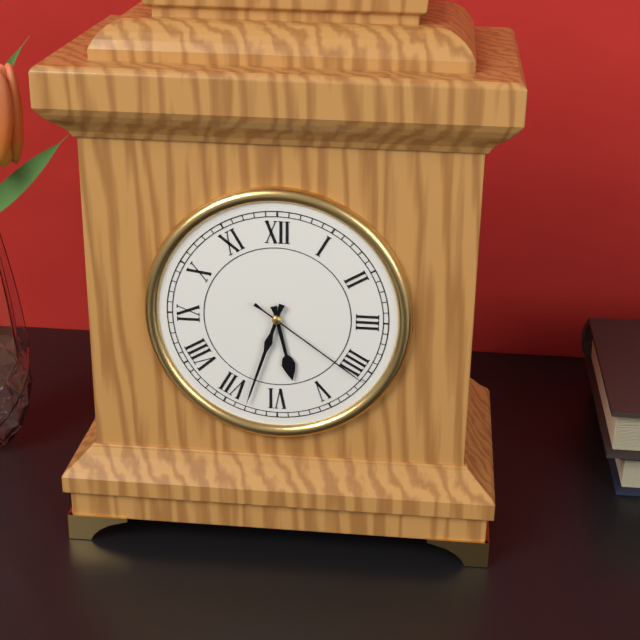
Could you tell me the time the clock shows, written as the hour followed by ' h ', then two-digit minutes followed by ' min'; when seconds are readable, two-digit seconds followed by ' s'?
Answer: 5 h 33 min 21 s
